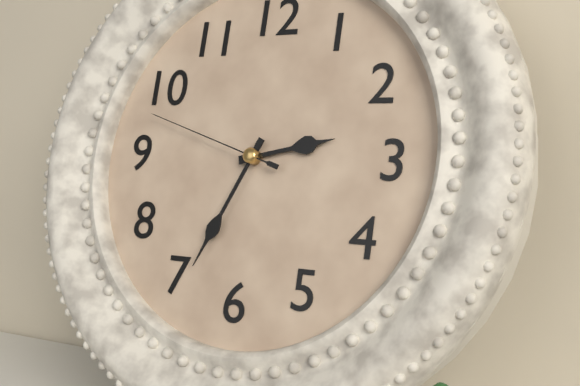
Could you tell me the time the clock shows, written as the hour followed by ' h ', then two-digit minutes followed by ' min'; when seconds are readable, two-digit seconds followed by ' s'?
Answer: 2 h 34 min 48 s
